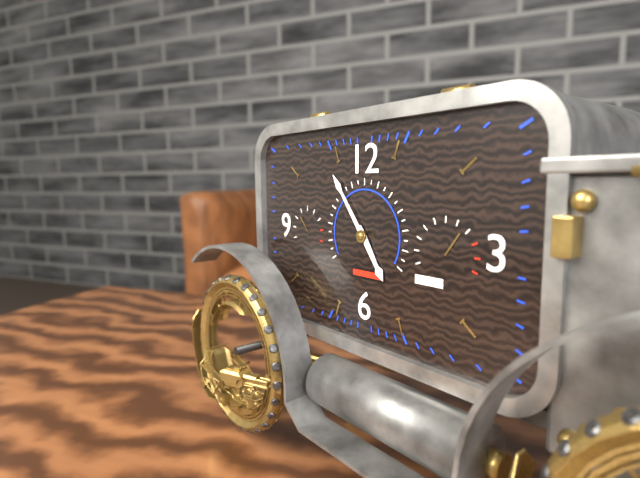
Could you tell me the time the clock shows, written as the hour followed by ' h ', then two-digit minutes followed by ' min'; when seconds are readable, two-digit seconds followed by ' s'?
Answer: 4 h 54 min
